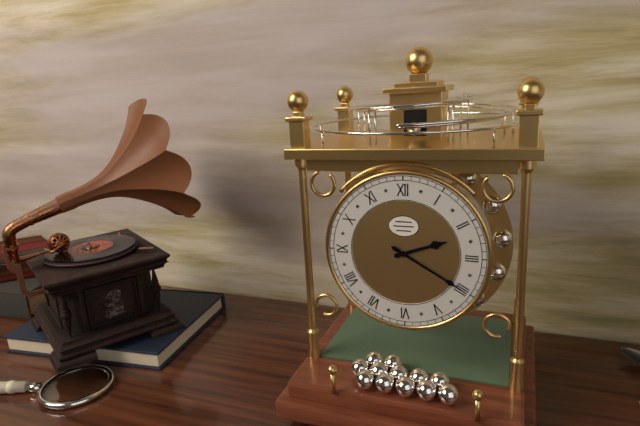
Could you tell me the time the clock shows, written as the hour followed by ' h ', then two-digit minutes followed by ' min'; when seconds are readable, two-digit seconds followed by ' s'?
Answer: 2 h 20 min
